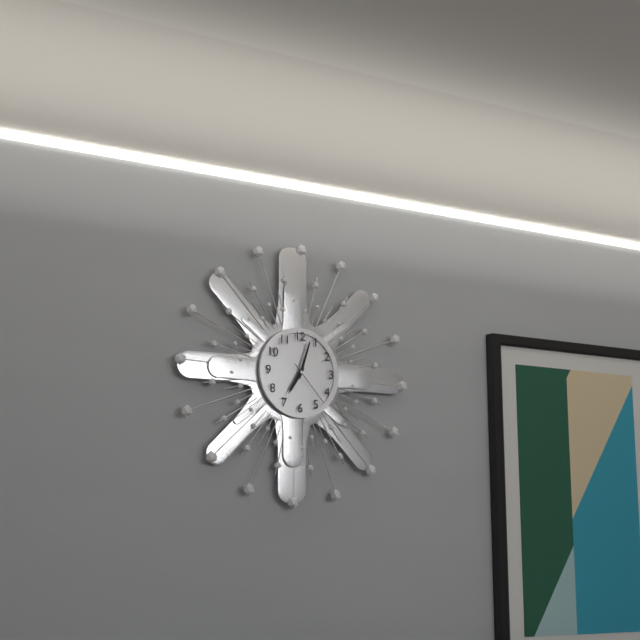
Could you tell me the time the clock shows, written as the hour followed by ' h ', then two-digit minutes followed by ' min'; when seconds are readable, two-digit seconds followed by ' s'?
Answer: 7 h 03 min
